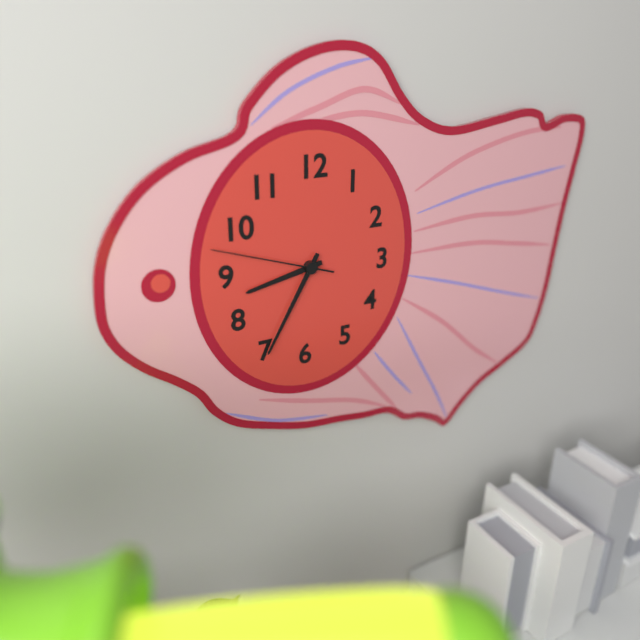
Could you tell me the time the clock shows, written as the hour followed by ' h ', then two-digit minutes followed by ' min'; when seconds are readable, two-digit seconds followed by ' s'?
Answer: 8 h 35 min 48 s
